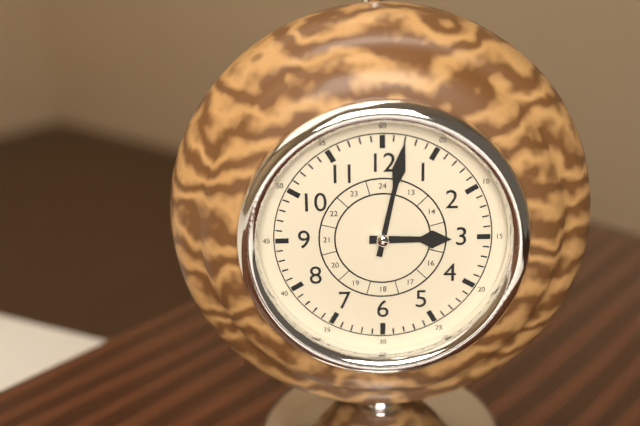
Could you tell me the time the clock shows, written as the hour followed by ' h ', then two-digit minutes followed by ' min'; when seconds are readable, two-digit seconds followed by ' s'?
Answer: 3 h 02 min
